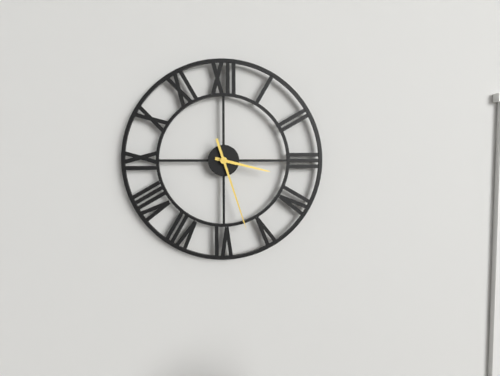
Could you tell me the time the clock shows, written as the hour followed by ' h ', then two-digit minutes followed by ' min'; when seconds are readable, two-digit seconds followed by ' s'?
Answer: 3 h 27 min
